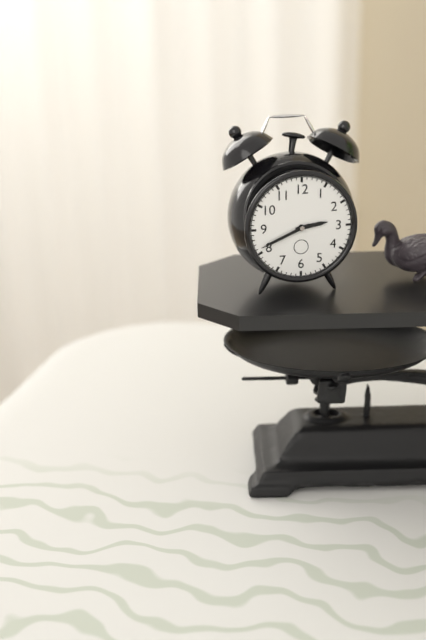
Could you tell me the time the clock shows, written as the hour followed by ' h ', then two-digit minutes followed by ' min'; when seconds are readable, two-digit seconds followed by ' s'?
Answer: 2 h 41 min
